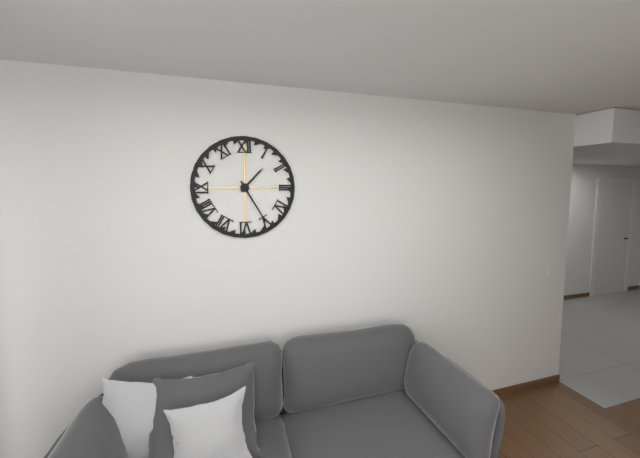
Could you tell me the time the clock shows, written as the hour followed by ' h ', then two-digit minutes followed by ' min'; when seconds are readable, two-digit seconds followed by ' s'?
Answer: 1 h 25 min
